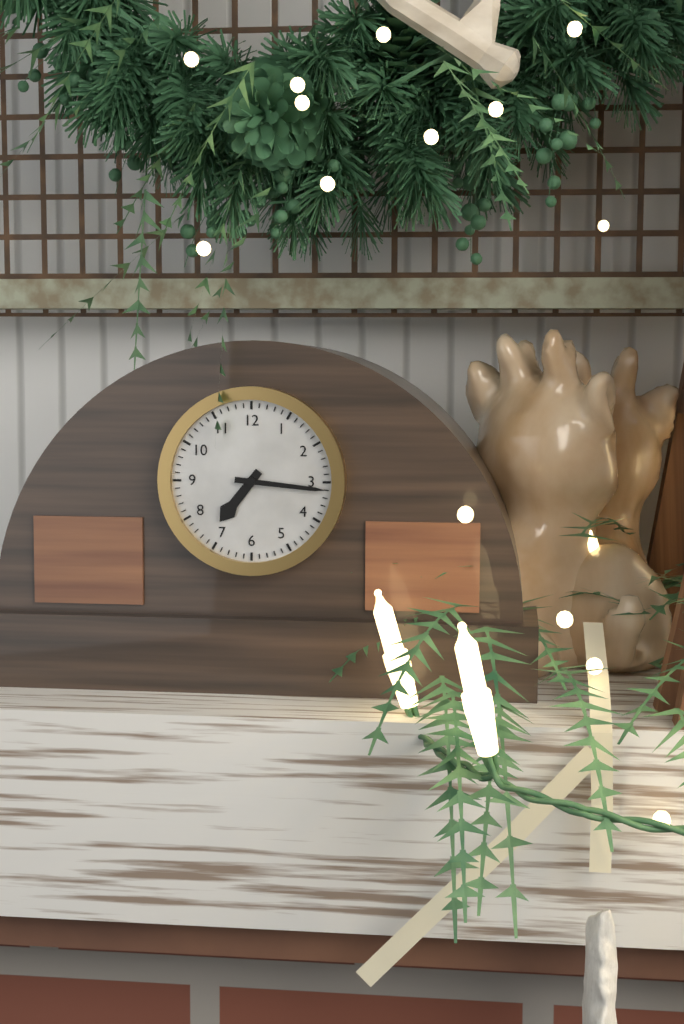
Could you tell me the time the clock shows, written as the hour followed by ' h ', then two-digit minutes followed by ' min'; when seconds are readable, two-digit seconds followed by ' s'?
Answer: 7 h 16 min
